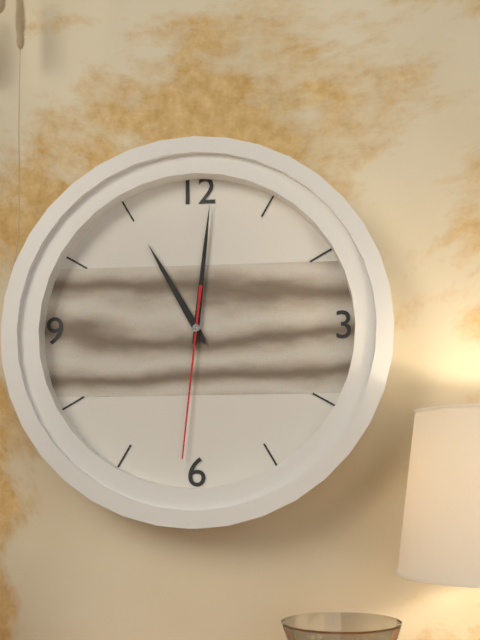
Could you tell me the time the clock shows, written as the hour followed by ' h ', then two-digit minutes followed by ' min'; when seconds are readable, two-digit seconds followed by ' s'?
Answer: 11 h 01 min 31 s
